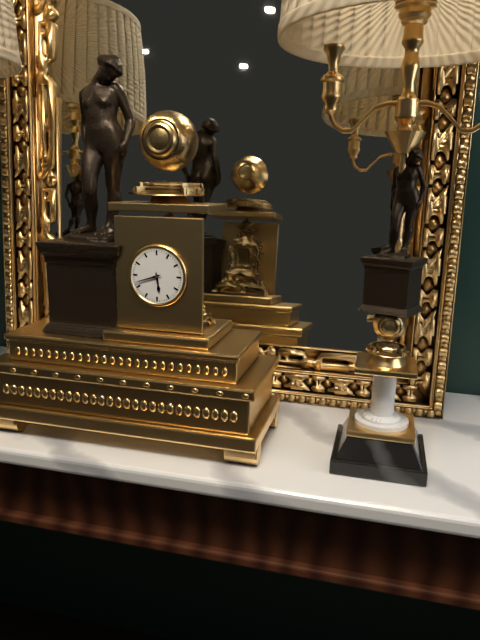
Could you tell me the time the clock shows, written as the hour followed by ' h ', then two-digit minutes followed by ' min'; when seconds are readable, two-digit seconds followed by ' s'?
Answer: 5 h 42 min
